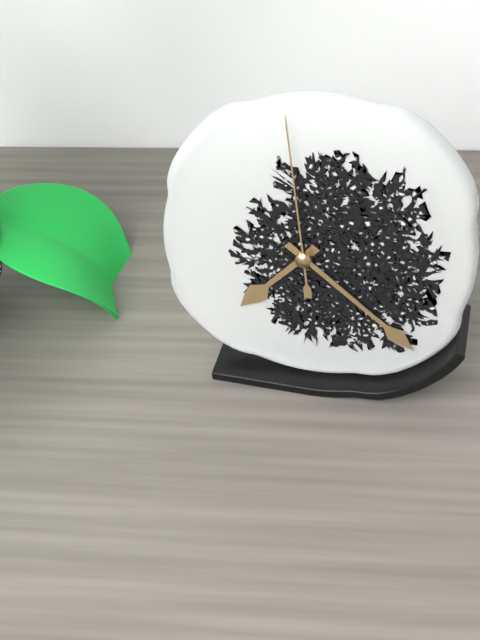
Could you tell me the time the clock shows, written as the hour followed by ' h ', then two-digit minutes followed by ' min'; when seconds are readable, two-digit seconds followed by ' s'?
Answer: 7 h 22 min 59 s
